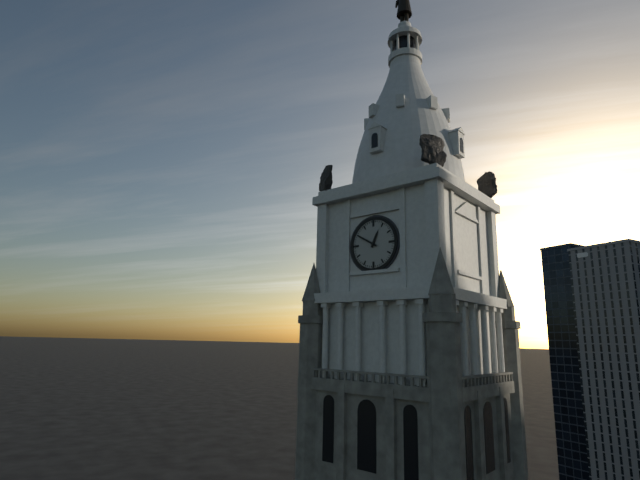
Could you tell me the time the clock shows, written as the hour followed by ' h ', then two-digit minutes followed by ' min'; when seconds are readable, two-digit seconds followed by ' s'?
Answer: 12 h 50 min
